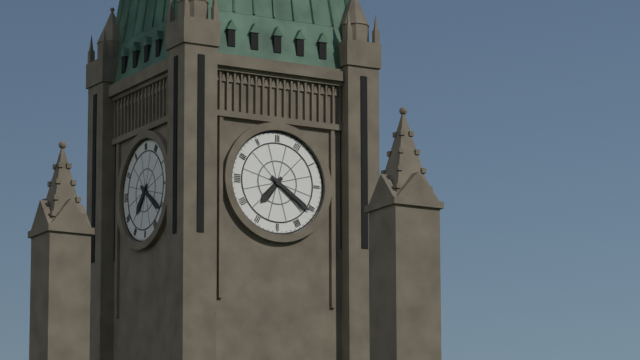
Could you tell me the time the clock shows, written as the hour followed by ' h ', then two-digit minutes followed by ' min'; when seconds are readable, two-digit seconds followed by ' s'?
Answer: 7 h 21 min
